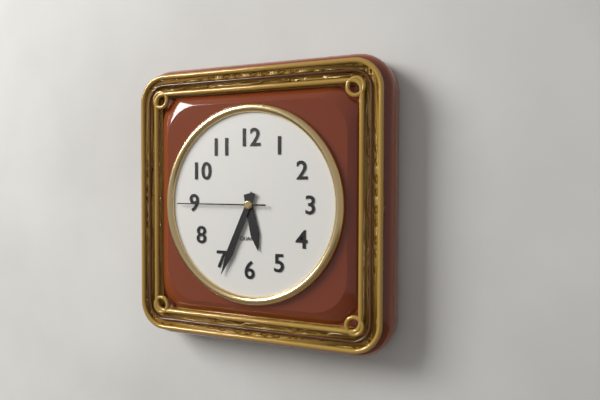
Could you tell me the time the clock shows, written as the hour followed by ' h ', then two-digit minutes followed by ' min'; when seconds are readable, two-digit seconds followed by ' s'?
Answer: 5 h 34 min 45 s
